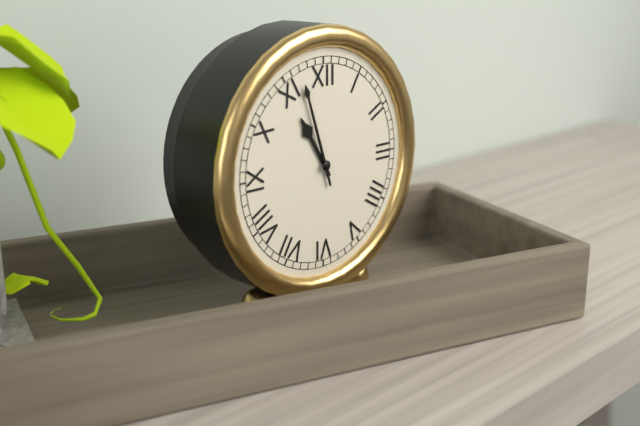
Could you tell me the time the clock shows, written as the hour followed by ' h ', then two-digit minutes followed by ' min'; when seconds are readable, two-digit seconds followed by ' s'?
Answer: 10 h 57 min
